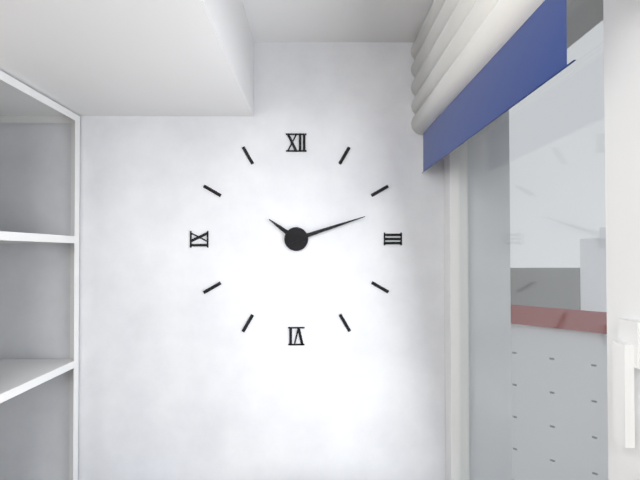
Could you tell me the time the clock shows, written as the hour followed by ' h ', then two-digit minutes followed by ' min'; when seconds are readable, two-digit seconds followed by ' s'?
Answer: 10 h 12 min
